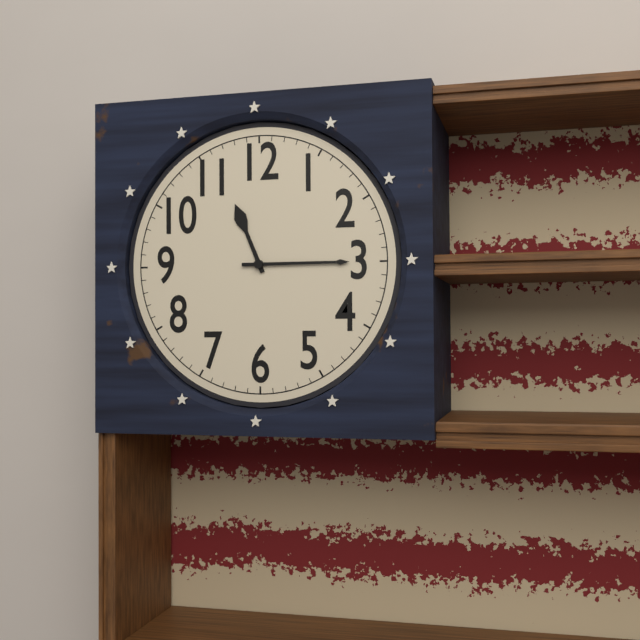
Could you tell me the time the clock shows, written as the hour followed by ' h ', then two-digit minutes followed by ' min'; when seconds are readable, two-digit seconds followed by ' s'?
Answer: 11 h 15 min
